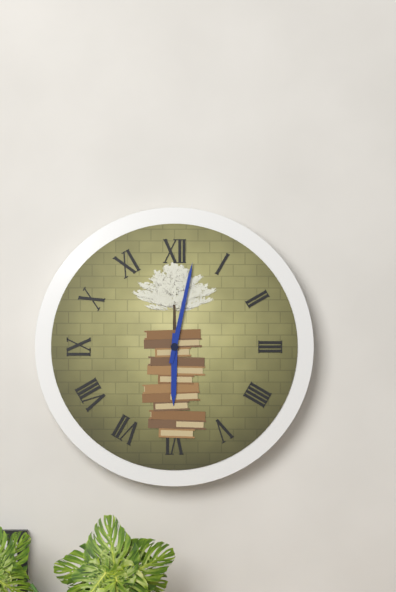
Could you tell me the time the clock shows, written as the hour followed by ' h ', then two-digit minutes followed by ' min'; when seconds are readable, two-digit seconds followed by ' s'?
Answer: 6 h 02 min
